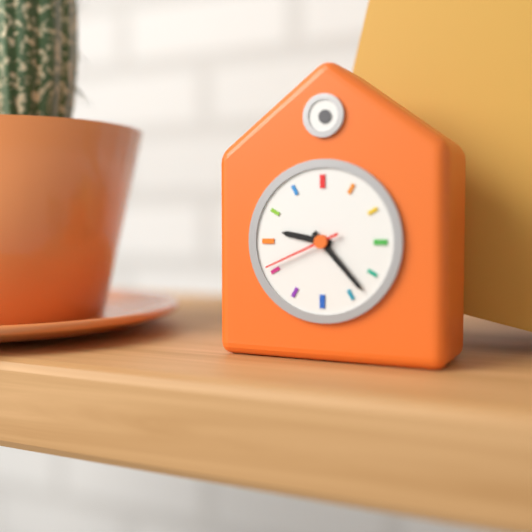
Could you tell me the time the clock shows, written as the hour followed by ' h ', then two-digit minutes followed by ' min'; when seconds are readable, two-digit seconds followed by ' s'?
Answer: 9 h 23 min 41 s
